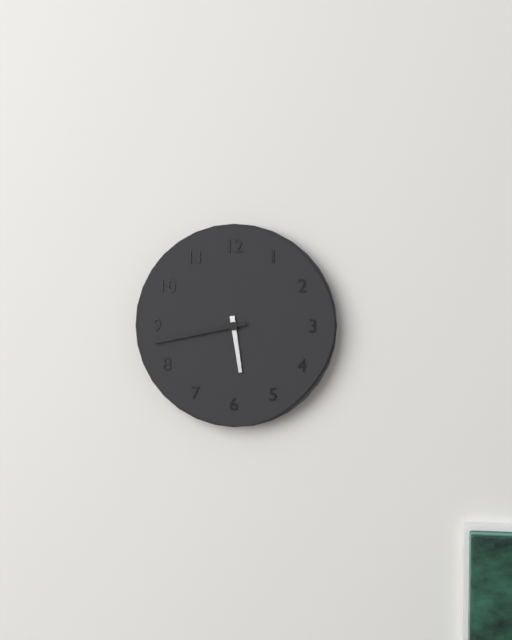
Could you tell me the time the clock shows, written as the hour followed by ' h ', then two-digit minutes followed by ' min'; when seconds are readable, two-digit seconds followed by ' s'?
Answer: 5 h 43 min
